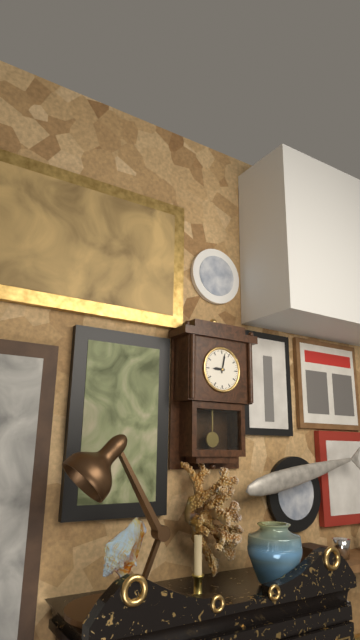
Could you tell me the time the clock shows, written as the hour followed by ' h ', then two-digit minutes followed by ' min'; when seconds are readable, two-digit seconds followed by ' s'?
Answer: 9 h 02 min
